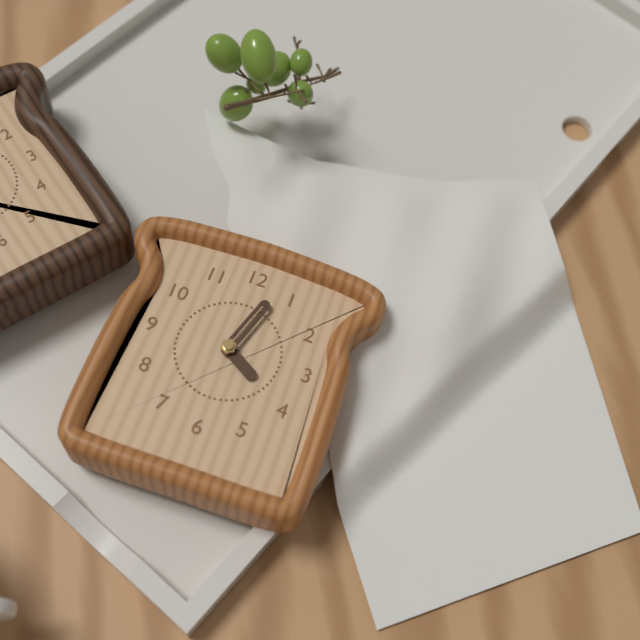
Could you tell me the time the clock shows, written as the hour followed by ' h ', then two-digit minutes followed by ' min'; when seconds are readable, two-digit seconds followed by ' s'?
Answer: 4 h 03 min
